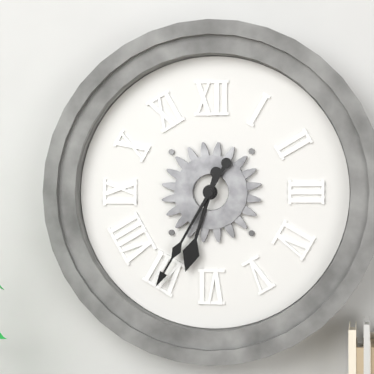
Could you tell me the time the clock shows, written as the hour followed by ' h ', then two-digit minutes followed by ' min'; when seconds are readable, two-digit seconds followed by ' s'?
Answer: 6 h 35 min
